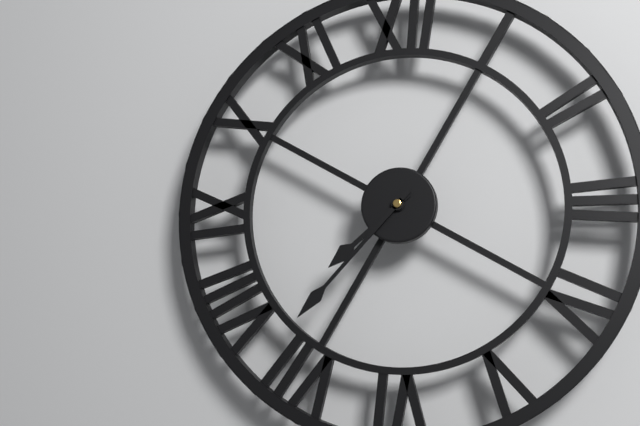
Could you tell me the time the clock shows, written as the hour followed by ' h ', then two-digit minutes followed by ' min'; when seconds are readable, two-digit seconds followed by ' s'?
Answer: 7 h 37 min
